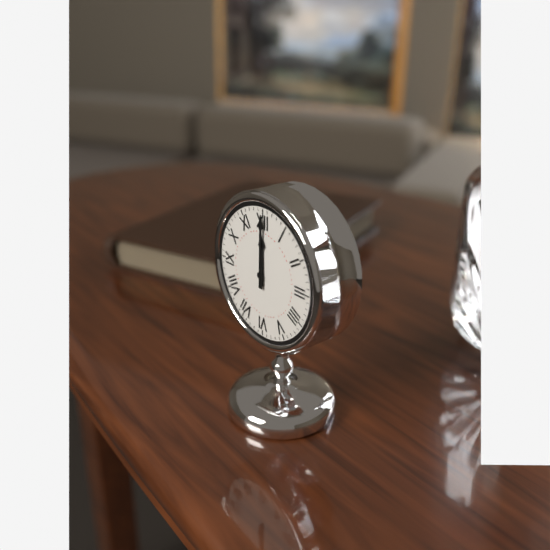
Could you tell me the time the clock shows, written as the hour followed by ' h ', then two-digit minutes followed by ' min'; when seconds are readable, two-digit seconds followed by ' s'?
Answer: 12 h 00 min
